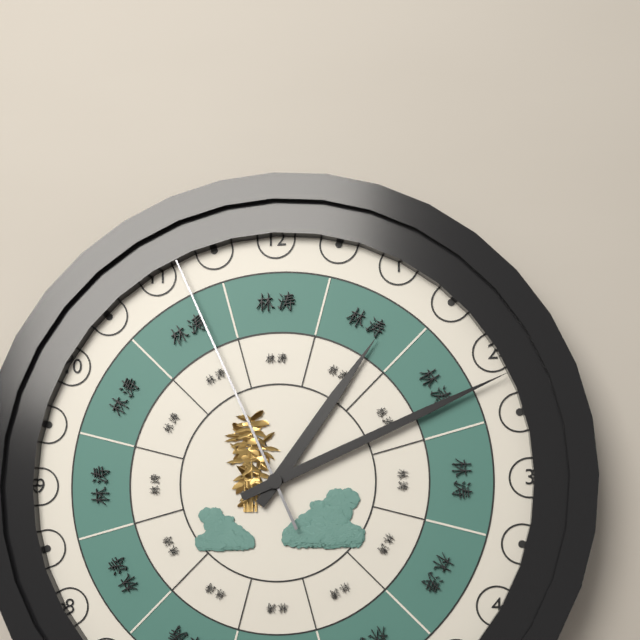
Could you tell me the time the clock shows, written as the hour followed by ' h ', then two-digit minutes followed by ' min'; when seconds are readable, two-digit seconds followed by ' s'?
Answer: 1 h 11 min 56 s
